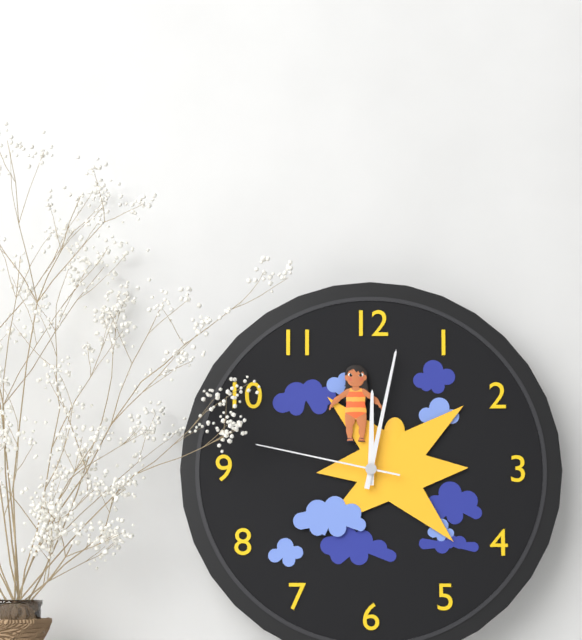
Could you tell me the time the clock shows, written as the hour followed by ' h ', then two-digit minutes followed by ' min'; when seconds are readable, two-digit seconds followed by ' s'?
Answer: 12 h 02 min 47 s
